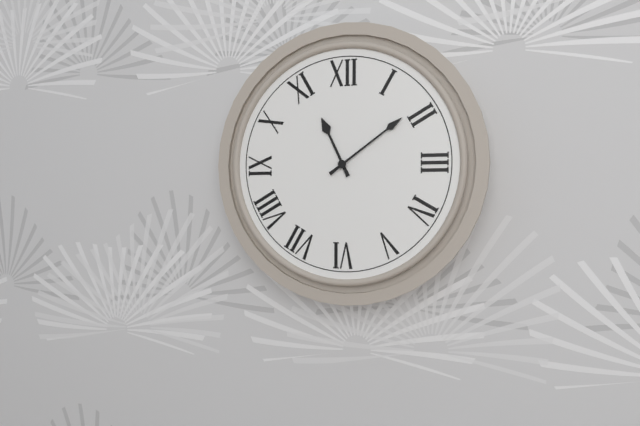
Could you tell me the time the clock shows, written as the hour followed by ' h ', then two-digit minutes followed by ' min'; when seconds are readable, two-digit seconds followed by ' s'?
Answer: 11 h 09 min
